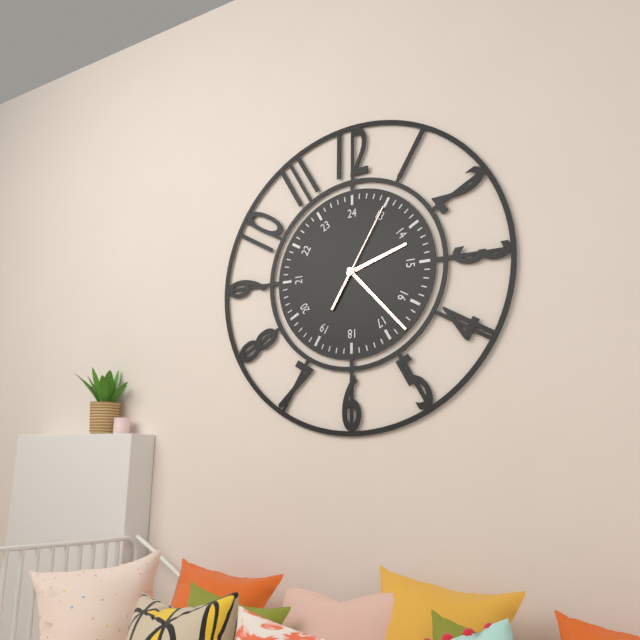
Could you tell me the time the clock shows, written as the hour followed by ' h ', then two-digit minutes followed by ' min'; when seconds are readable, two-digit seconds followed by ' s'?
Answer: 2 h 23 min 05 s
